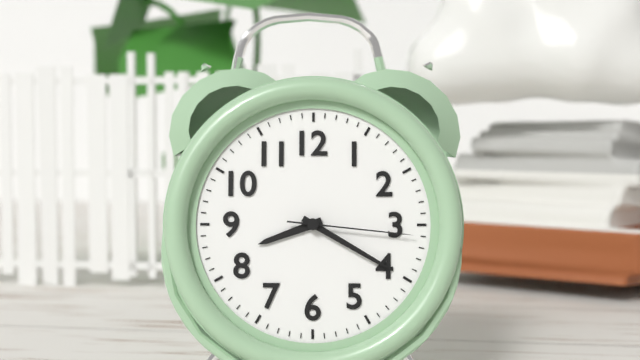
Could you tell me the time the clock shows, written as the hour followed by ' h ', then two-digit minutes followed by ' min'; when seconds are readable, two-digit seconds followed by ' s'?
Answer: 8 h 20 min 16 s
